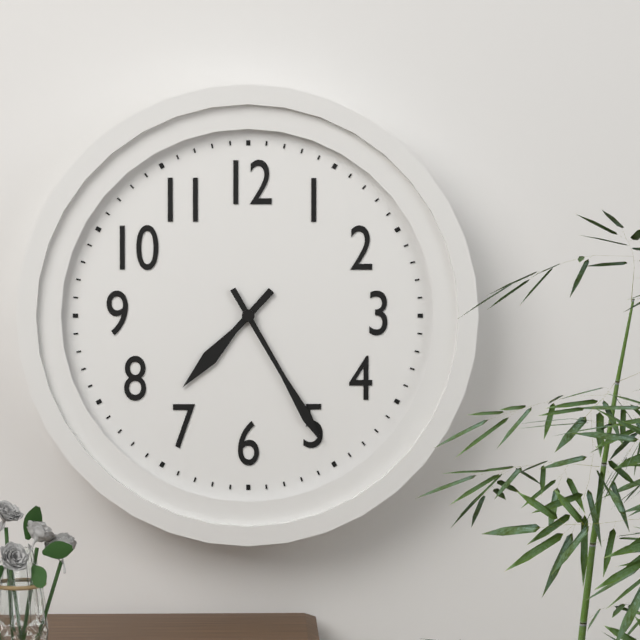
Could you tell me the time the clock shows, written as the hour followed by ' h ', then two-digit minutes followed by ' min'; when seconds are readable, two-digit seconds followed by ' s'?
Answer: 7 h 25 min
